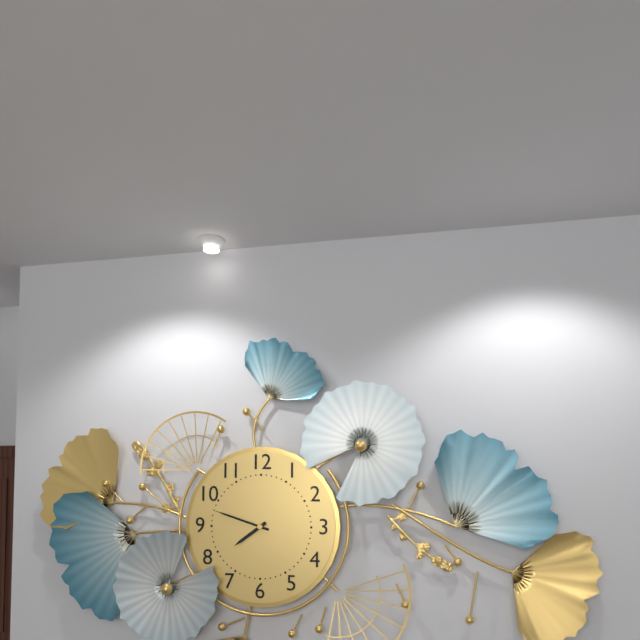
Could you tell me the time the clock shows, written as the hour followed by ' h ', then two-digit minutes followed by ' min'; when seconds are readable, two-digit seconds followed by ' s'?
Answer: 7 h 48 min
